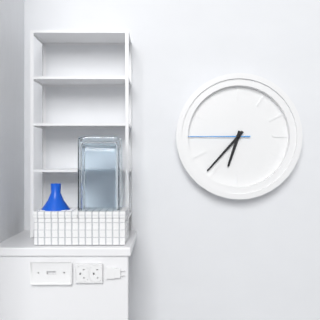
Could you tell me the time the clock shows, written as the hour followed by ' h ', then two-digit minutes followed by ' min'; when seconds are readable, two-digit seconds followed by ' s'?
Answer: 6 h 37 min 45 s
